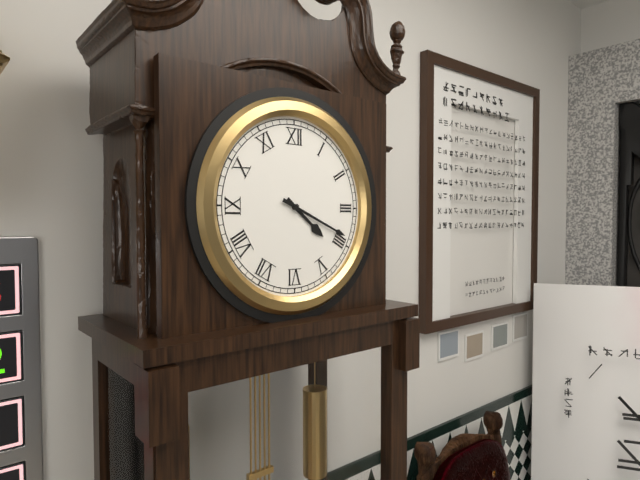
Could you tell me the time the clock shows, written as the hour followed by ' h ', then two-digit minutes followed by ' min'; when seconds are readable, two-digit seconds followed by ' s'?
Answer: 4 h 19 min
